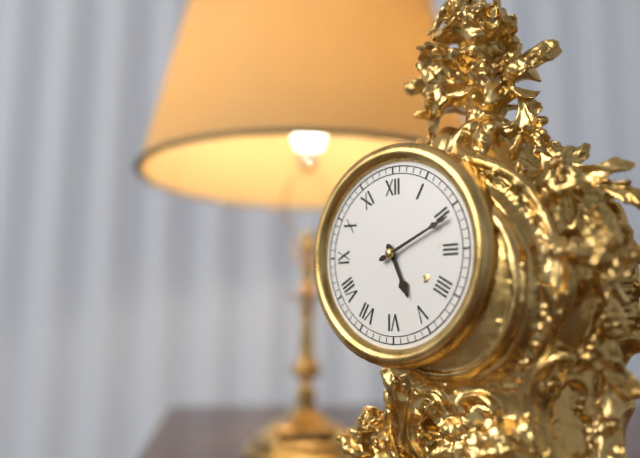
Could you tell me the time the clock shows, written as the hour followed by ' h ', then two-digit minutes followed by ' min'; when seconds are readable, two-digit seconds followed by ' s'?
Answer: 5 h 11 min
